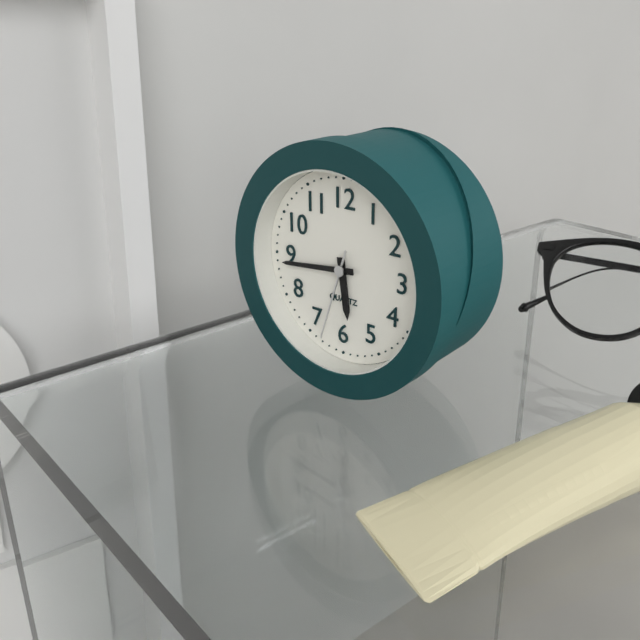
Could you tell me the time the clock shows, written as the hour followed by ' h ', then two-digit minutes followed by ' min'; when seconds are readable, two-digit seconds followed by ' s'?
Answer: 5 h 44 min 33 s
